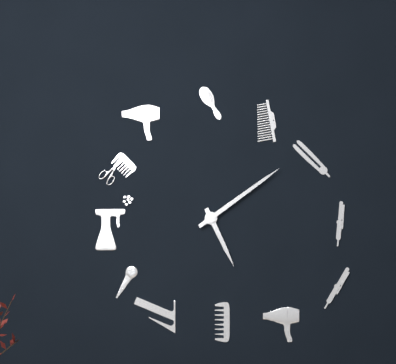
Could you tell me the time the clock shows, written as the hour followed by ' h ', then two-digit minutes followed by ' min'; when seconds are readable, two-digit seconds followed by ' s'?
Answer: 5 h 09 min
